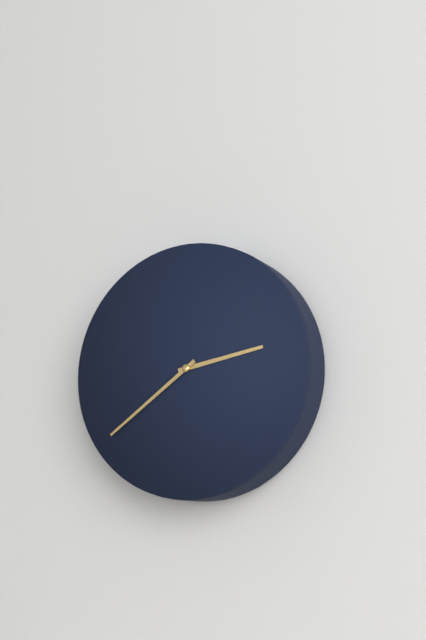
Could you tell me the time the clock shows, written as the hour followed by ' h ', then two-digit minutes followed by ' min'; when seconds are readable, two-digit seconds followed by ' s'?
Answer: 2 h 39 min
